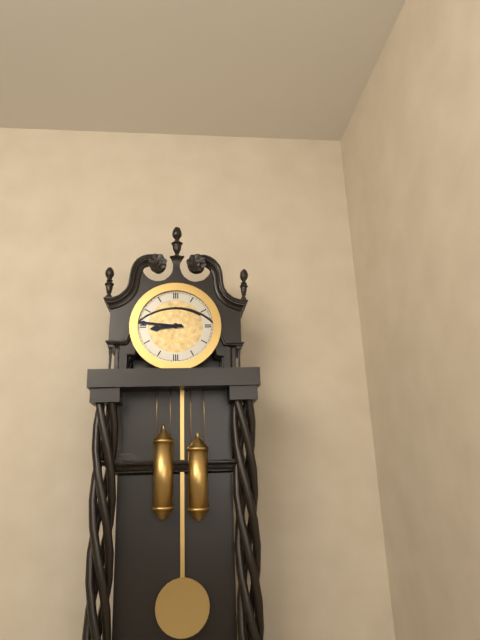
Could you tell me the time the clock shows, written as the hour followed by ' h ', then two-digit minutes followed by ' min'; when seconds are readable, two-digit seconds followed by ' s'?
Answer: 8 h 46 min
